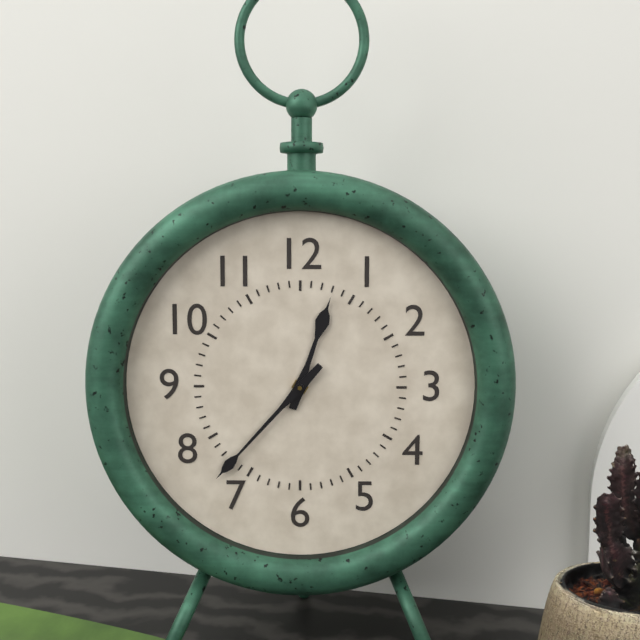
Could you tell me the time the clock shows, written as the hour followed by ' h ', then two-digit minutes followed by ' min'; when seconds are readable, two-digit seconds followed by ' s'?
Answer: 12 h 37 min
